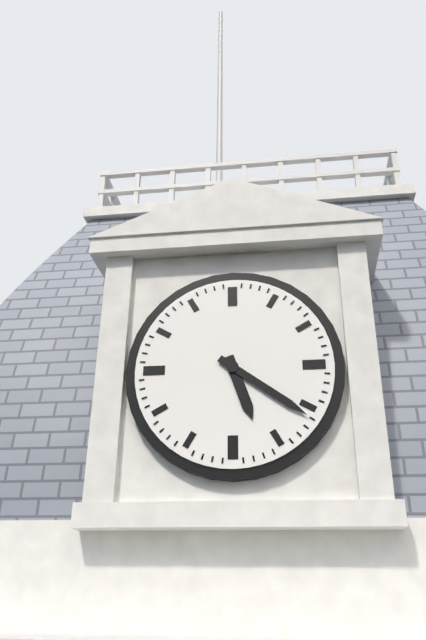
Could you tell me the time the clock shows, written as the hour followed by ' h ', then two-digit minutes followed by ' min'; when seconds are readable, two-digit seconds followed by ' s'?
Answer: 5 h 21 min
